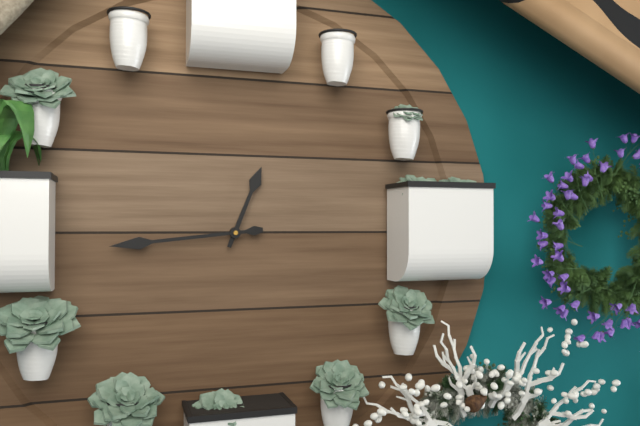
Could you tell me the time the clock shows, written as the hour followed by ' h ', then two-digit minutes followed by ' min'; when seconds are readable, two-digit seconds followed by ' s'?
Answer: 12 h 44 min
